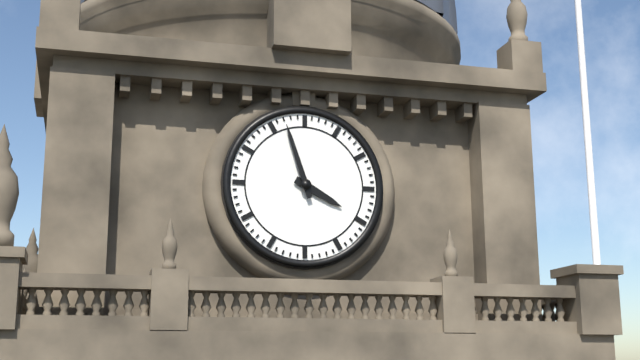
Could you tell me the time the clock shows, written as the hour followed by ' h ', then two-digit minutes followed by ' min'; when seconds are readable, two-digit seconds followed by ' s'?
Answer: 3 h 57 min
